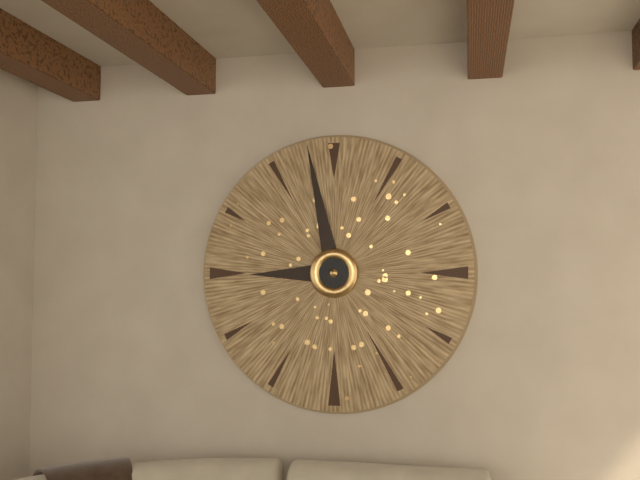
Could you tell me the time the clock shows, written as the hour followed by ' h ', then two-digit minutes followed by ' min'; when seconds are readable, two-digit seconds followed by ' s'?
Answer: 8 h 58 min
